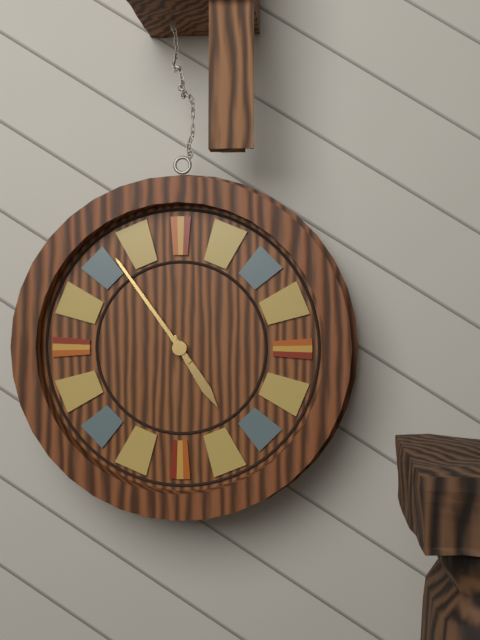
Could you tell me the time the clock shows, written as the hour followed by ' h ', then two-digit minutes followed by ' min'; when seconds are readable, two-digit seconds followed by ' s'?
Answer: 4 h 54 min
